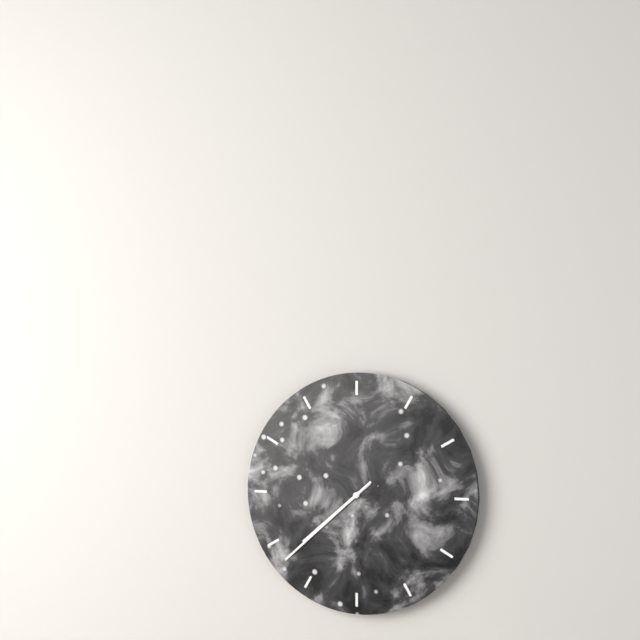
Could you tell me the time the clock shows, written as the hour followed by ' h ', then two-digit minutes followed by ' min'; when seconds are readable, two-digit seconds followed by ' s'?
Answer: 7 h 38 min
